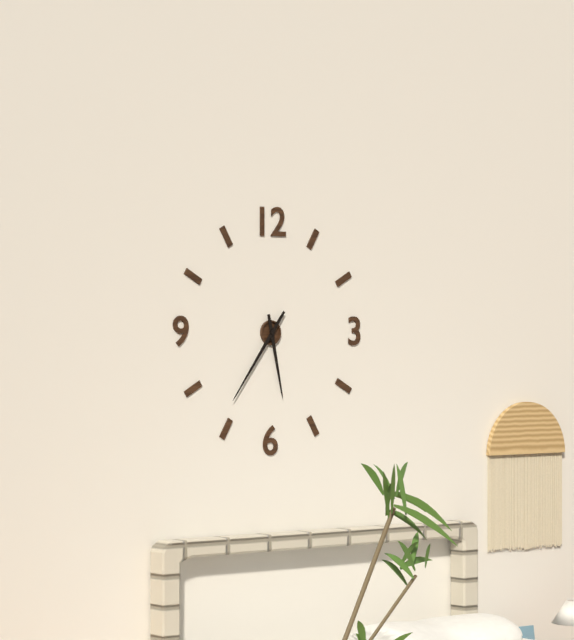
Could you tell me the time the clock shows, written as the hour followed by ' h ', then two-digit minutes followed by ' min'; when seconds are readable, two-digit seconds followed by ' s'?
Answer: 5 h 36 min
